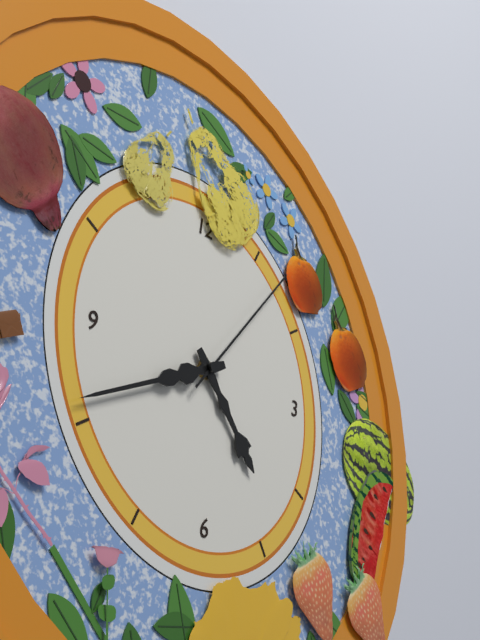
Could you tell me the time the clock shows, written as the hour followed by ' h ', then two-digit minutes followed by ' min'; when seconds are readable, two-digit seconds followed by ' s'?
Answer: 4 h 41 min 07 s
